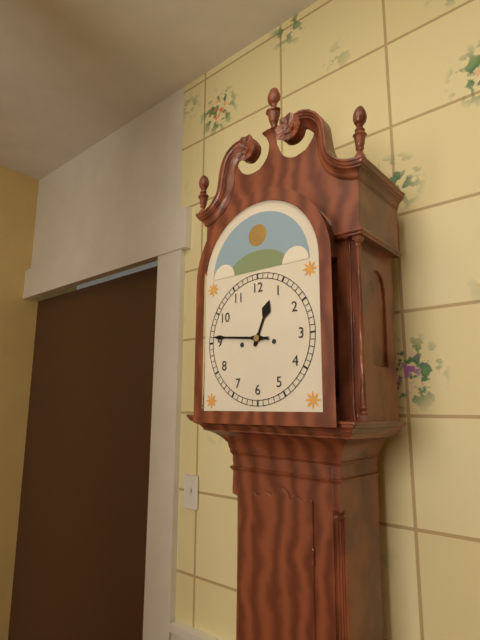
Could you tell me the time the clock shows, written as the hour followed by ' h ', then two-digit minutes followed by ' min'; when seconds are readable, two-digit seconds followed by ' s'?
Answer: 12 h 46 min
